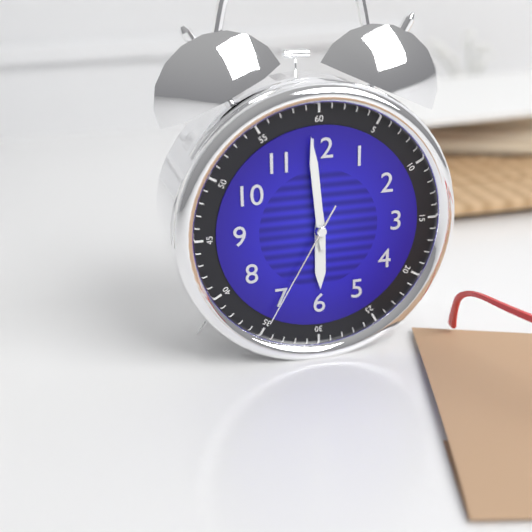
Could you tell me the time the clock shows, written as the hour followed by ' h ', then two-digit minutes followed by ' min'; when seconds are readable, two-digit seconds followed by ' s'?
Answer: 5 h 59 min 35 s
